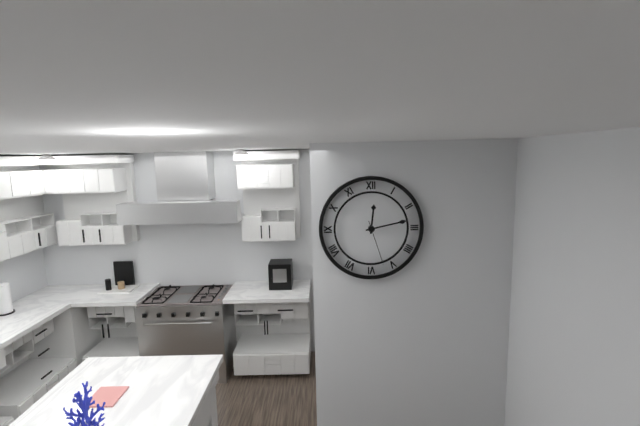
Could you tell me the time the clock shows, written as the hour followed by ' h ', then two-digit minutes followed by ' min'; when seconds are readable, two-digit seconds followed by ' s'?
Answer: 12 h 13 min
